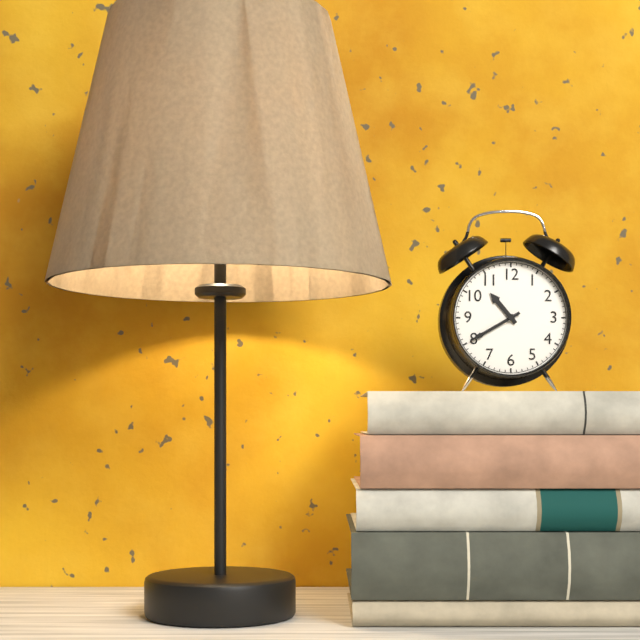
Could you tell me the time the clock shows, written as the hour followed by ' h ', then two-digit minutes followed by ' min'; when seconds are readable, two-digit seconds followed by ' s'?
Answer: 10 h 40 min
